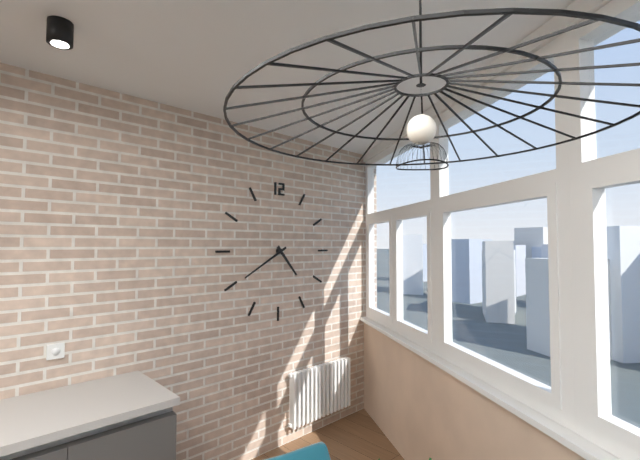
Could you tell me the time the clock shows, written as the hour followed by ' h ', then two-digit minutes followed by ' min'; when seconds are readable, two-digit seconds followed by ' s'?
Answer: 4 h 40 min
